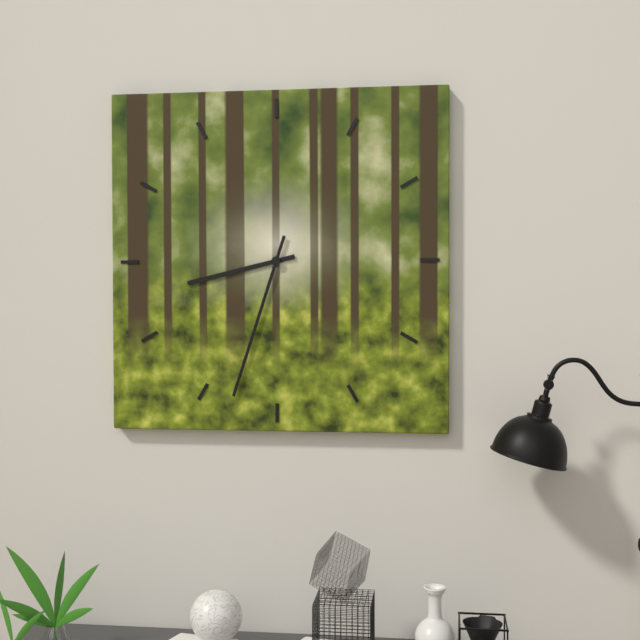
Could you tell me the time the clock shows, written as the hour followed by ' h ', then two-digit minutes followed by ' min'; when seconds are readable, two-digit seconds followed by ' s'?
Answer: 8 h 33 min
